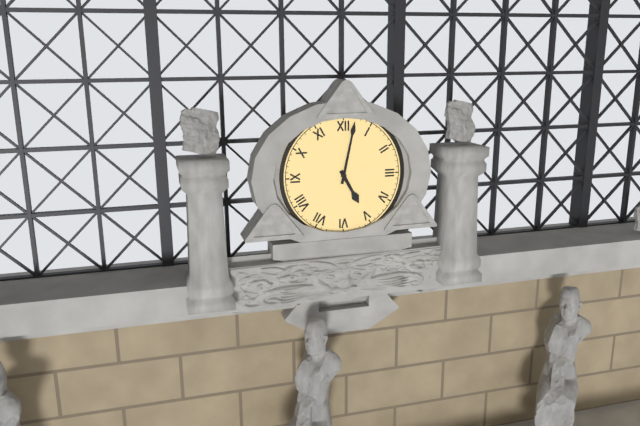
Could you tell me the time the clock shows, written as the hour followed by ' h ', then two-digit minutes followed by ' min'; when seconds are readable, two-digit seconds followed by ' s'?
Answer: 5 h 02 min
